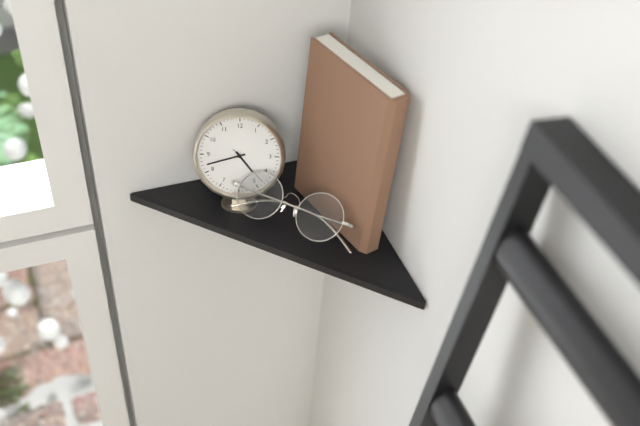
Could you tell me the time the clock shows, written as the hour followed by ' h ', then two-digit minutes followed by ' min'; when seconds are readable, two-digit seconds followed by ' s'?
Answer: 4 h 42 min
